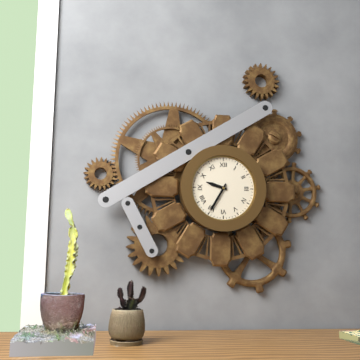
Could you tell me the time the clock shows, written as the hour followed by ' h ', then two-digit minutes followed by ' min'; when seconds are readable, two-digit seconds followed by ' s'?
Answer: 9 h 35 min
